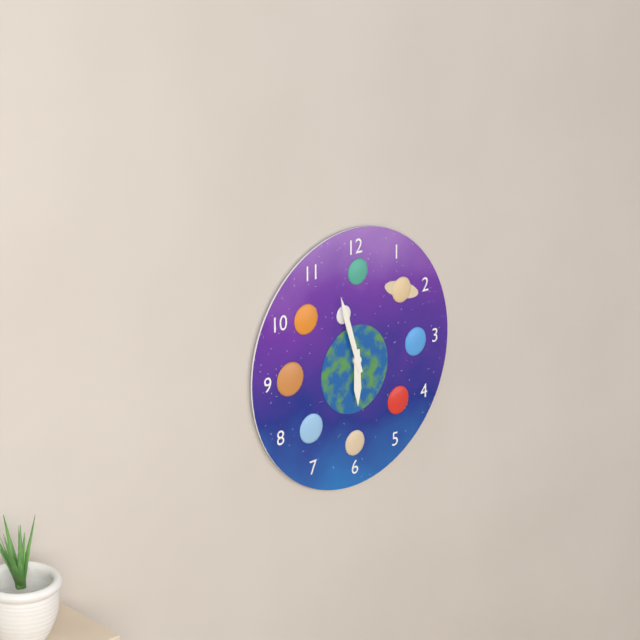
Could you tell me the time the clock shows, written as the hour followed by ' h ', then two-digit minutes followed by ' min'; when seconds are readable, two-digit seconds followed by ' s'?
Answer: 5 h 57 min
